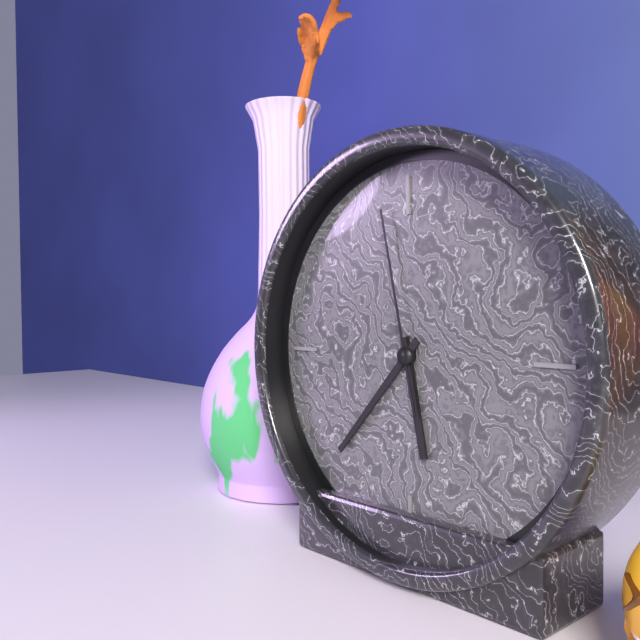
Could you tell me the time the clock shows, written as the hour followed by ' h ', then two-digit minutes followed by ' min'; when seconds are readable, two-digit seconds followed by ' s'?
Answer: 5 h 37 min 58 s
